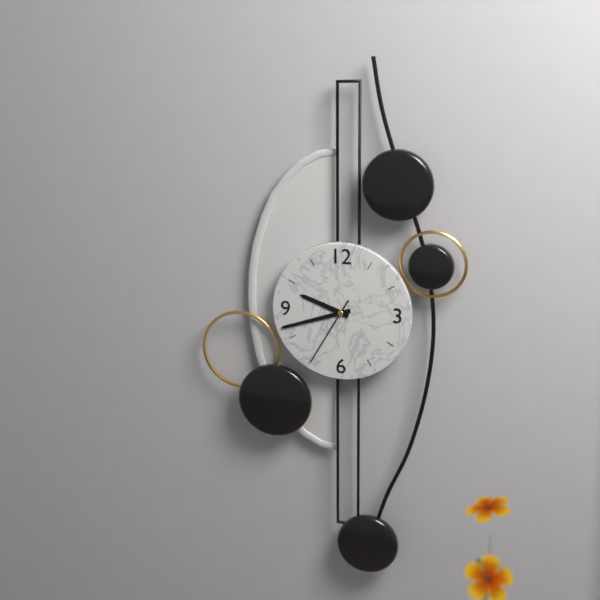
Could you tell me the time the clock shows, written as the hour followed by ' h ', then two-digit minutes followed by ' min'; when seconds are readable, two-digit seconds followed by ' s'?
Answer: 9 h 42 min 35 s
